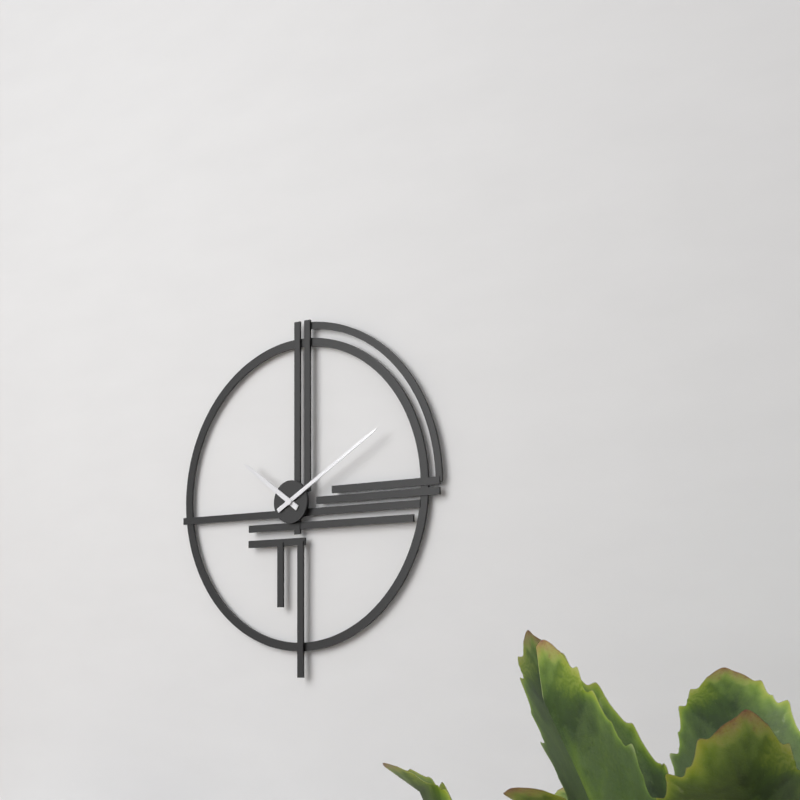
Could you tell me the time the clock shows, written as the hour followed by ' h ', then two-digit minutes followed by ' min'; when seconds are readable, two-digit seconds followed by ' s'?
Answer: 10 h 10 min
